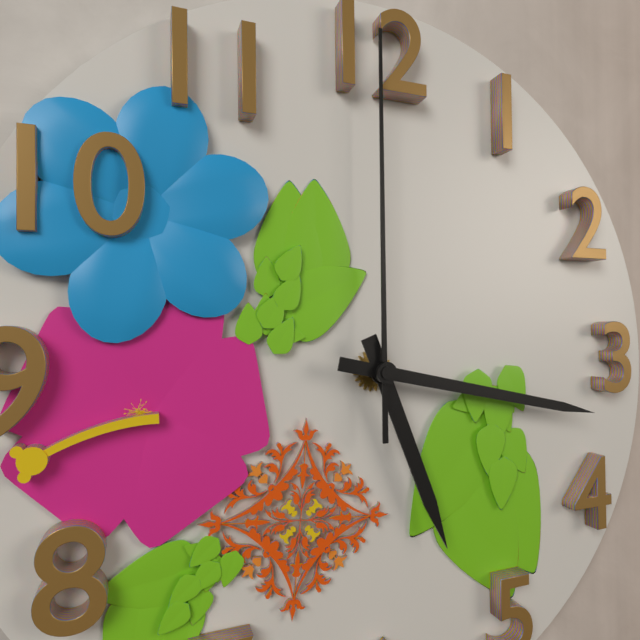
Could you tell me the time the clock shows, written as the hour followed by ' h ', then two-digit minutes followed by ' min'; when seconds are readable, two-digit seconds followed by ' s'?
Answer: 5 h 17 min 00 s
